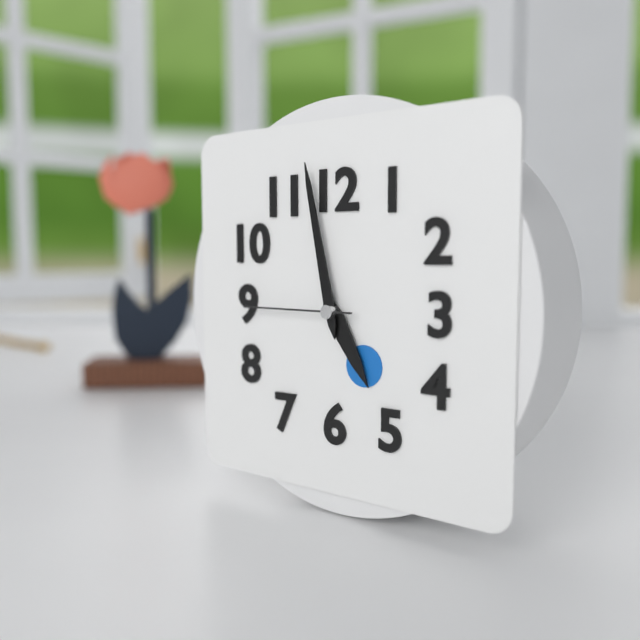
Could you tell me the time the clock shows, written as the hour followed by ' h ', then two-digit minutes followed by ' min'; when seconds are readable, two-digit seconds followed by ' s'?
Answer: 4 h 58 min 45 s
